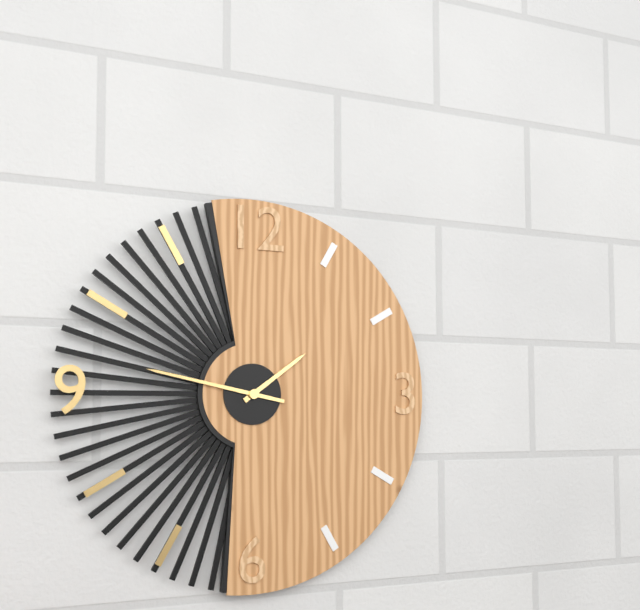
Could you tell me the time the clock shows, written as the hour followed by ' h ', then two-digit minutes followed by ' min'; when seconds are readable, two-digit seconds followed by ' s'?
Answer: 1 h 47 min
